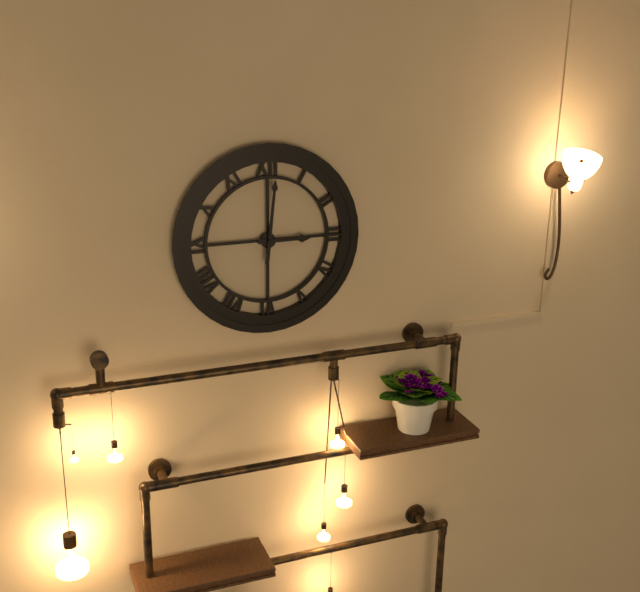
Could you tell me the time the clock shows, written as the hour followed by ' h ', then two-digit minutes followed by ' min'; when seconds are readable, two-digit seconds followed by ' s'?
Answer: 3 h 01 min
